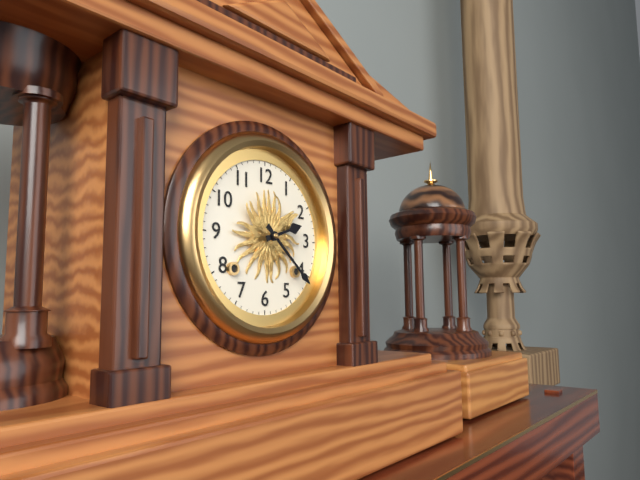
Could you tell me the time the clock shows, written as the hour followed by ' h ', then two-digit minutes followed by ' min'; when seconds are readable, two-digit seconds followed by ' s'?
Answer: 2 h 22 min
